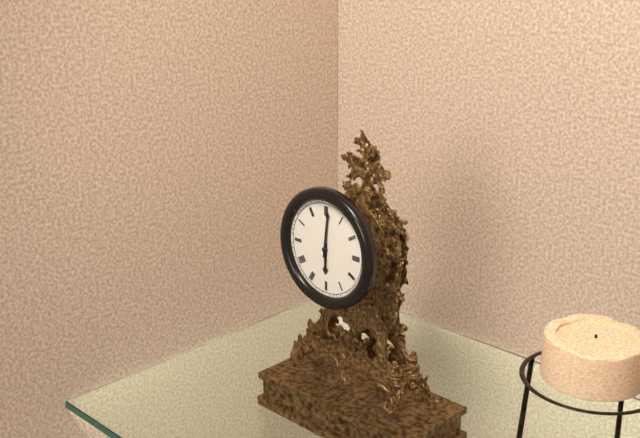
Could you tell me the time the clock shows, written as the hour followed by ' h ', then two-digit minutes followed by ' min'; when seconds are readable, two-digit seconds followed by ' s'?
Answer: 6 h 01 min
